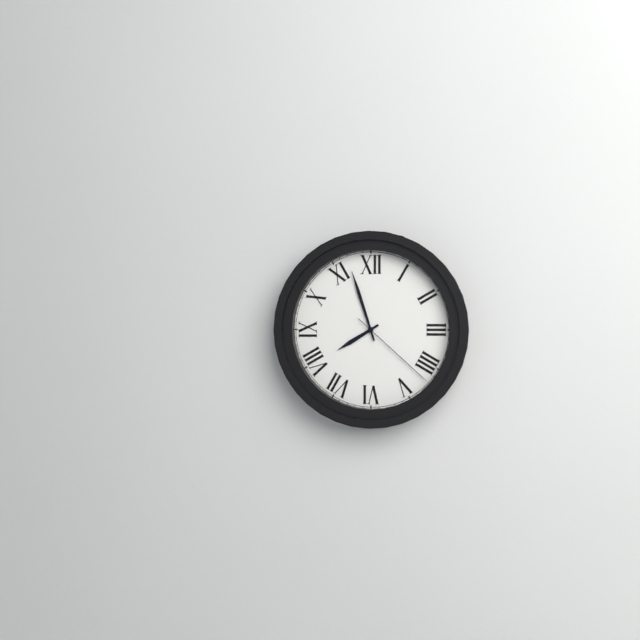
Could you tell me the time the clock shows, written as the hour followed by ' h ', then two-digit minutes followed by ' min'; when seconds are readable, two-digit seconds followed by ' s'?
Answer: 7 h 57 min 22 s
